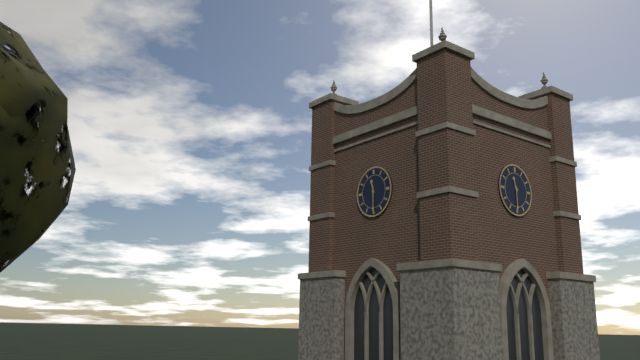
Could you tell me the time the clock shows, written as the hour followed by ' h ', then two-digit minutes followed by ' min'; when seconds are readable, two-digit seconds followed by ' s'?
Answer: 11 h 30 min
